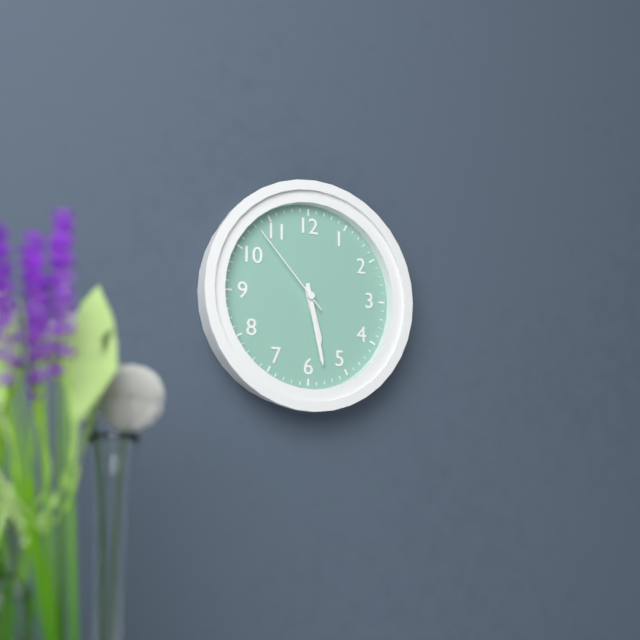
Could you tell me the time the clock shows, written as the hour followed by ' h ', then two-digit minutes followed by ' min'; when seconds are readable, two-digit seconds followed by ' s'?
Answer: 5 h 28 min 53 s
